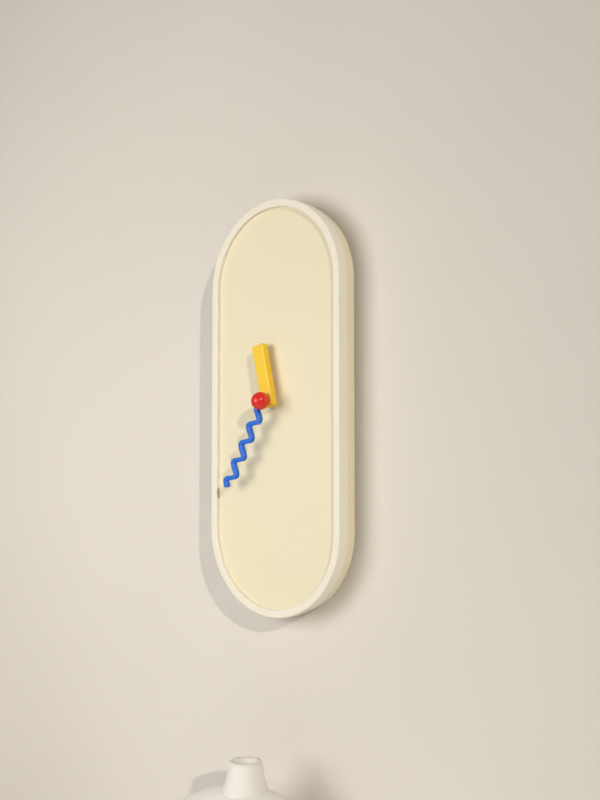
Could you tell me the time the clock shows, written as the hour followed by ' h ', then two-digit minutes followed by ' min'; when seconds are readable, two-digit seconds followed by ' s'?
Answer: 11 h 35 min
